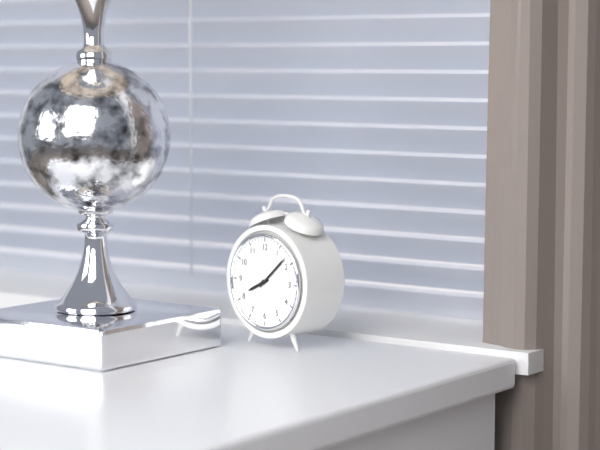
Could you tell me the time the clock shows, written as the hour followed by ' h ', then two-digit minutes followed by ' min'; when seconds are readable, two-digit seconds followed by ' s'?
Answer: 8 h 08 min
